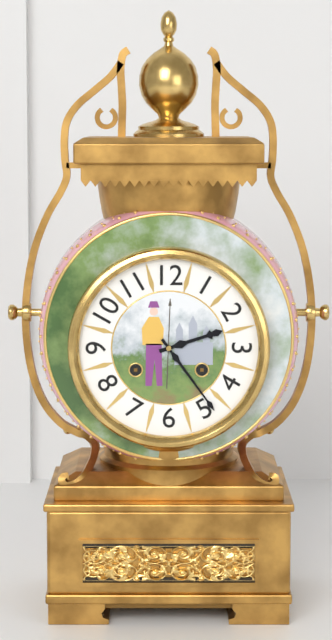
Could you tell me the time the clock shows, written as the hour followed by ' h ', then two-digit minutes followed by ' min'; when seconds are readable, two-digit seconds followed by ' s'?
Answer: 2 h 24 min
